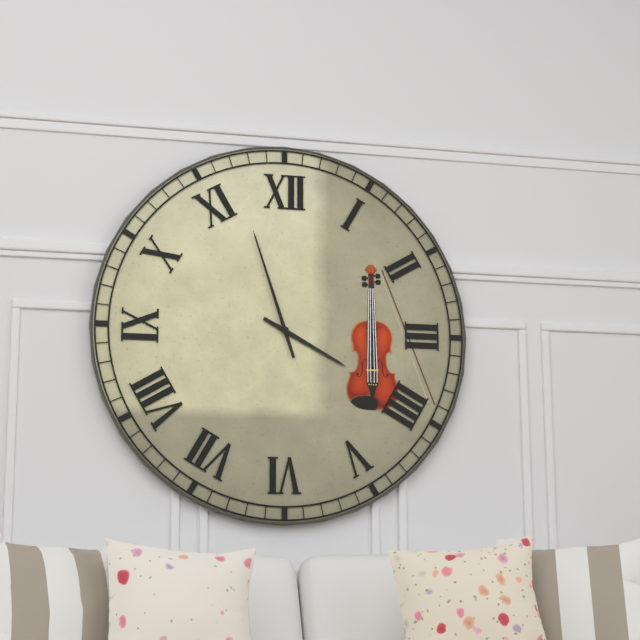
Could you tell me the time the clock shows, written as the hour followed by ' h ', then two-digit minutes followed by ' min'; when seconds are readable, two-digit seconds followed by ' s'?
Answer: 3 h 57 min
